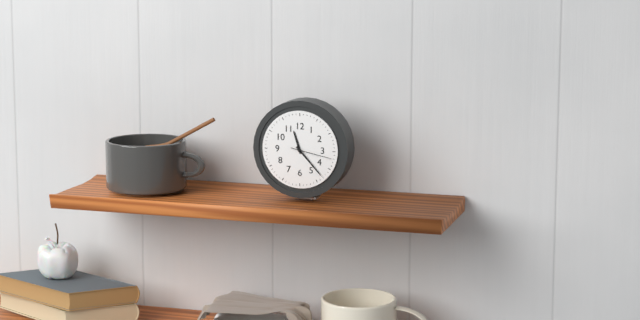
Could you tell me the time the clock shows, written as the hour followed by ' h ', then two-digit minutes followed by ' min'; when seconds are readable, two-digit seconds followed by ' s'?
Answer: 11 h 23 min
